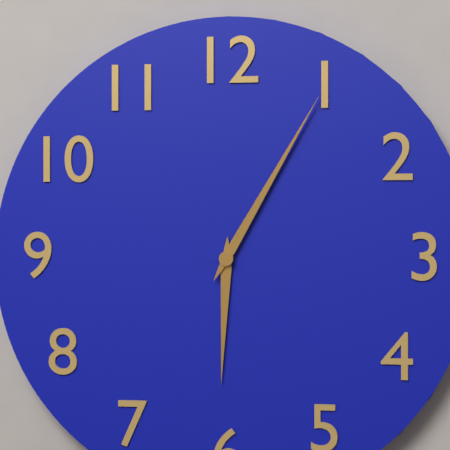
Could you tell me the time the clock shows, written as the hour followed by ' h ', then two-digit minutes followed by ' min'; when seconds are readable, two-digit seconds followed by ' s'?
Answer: 6 h 05 min
